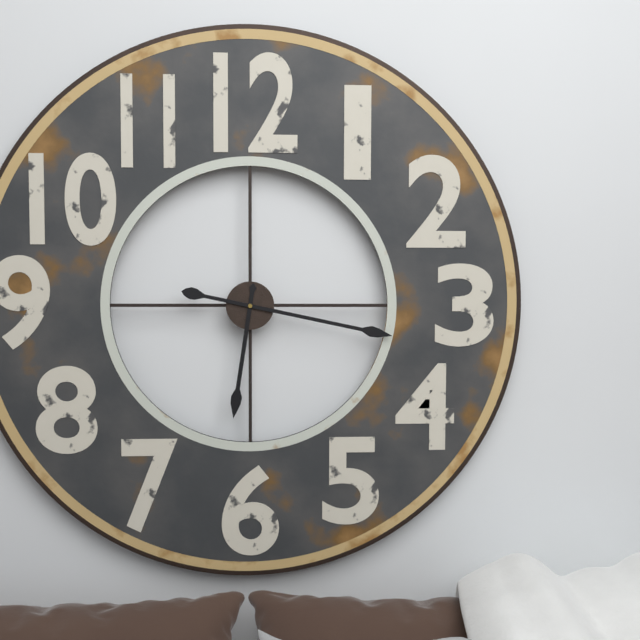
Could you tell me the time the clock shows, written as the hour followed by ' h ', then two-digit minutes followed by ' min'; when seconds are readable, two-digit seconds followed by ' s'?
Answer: 6 h 17 min
